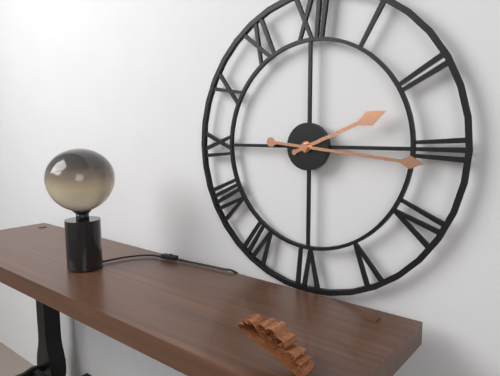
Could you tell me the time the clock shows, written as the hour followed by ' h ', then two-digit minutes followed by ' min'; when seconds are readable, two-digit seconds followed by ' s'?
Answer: 2 h 16 min
